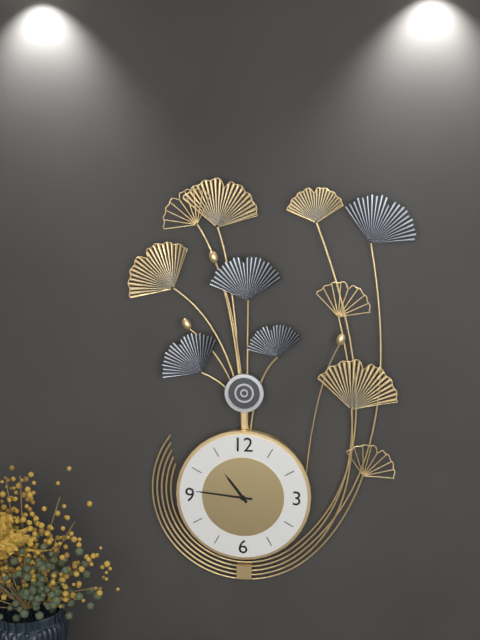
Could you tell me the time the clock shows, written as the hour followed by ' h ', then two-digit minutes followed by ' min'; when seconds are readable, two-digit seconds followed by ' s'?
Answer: 10 h 46 min
